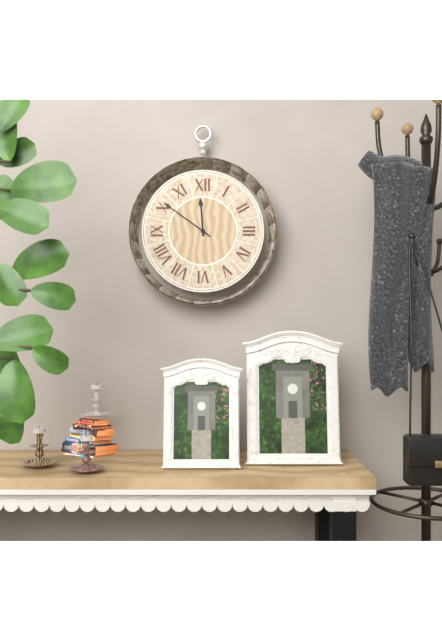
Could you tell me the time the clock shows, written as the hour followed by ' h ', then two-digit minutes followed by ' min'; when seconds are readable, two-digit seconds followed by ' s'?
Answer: 11 h 51 min
